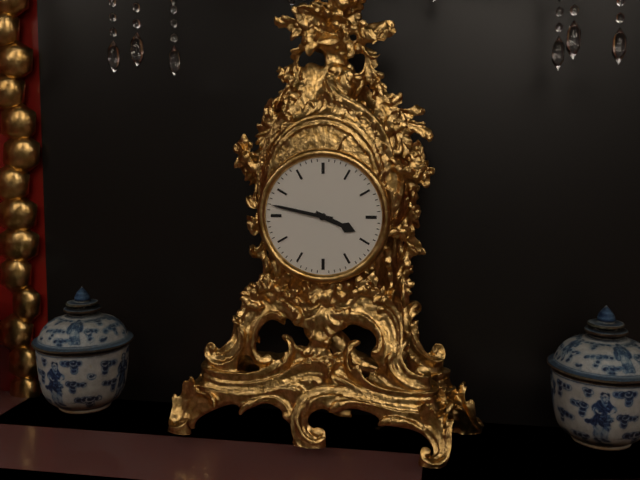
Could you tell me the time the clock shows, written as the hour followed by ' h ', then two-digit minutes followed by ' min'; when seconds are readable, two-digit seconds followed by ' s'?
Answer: 3 h 47 min
